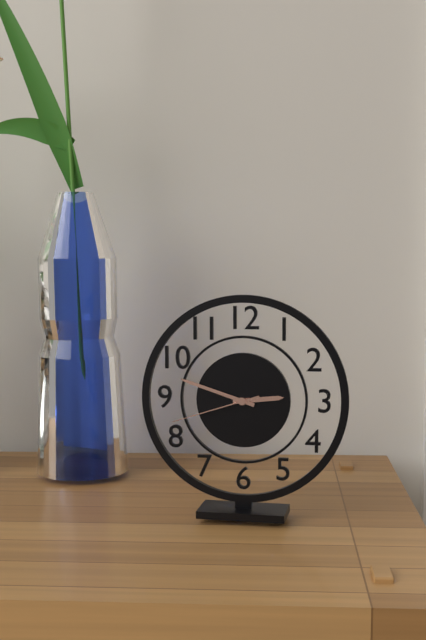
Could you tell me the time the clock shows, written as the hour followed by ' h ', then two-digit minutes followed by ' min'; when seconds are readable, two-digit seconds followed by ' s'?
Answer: 2 h 48 min 42 s
